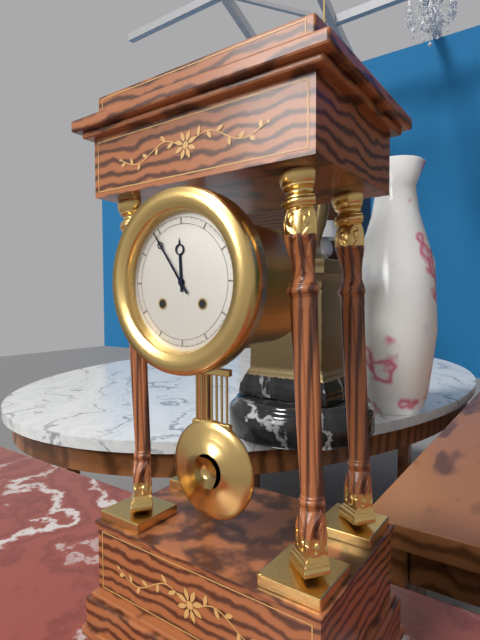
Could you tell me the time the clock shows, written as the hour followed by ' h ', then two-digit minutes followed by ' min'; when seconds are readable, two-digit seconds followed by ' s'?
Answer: 11 h 54 min
